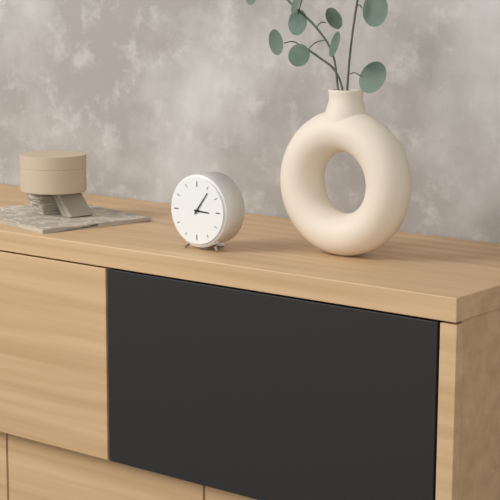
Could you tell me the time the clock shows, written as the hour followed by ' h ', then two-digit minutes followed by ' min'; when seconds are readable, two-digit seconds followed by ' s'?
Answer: 3 h 06 min
